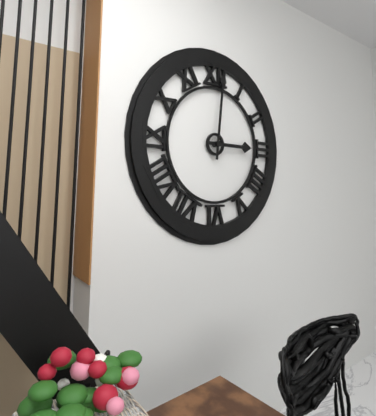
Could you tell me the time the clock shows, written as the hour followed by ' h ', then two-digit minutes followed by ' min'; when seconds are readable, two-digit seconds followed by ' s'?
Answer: 3 h 01 min
